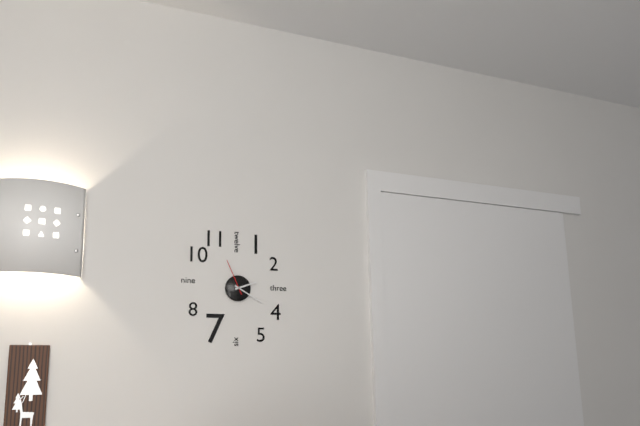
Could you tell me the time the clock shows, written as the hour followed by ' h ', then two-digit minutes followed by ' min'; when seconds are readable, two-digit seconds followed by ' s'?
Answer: 2 h 20 min
